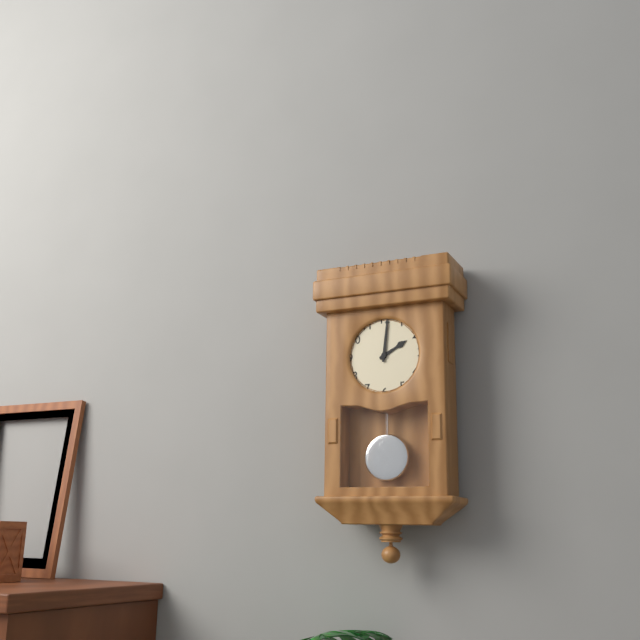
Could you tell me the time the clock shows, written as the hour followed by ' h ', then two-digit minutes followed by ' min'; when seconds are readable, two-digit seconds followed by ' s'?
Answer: 2 h 01 min
